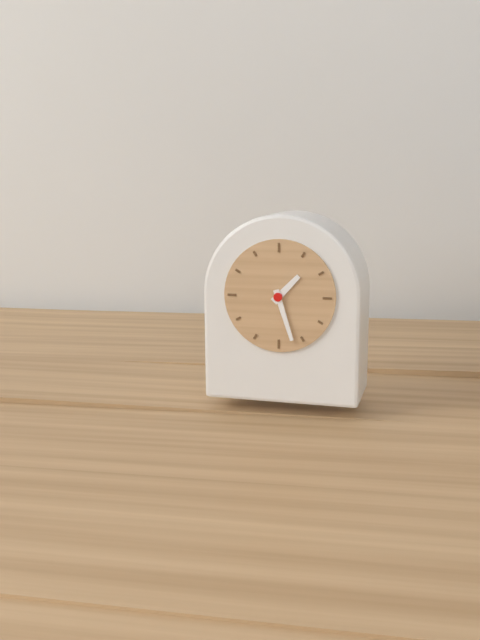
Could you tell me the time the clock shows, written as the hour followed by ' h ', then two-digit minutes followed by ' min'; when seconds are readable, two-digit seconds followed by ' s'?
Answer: 1 h 27 min
